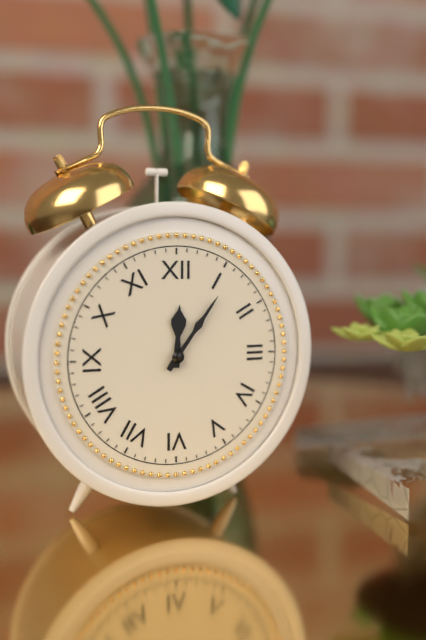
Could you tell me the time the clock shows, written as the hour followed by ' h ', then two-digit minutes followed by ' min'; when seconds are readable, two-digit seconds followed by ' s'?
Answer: 12 h 06 min
